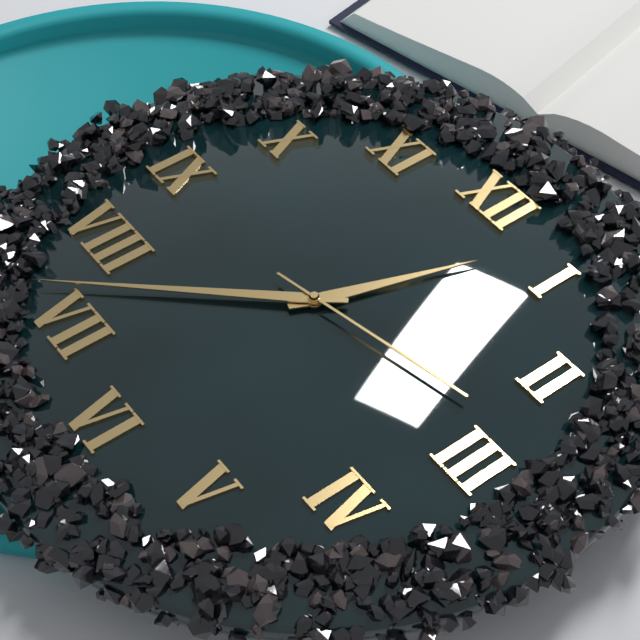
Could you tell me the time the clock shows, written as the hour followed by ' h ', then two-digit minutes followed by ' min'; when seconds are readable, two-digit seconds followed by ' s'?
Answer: 12 h 37 min 13 s
